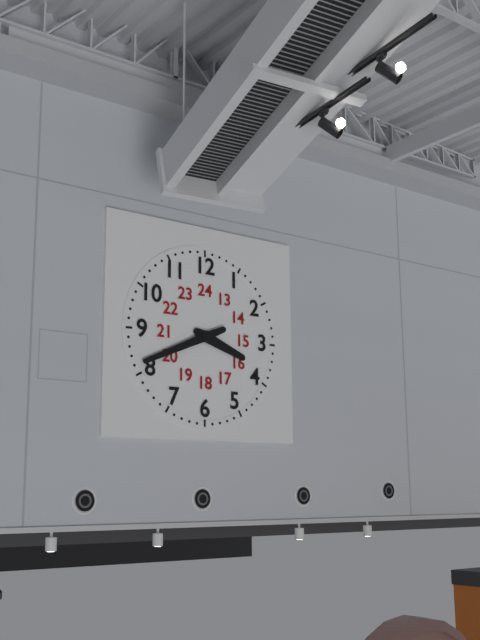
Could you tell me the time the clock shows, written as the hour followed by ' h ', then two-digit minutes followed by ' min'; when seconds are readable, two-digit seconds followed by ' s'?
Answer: 3 h 41 min
